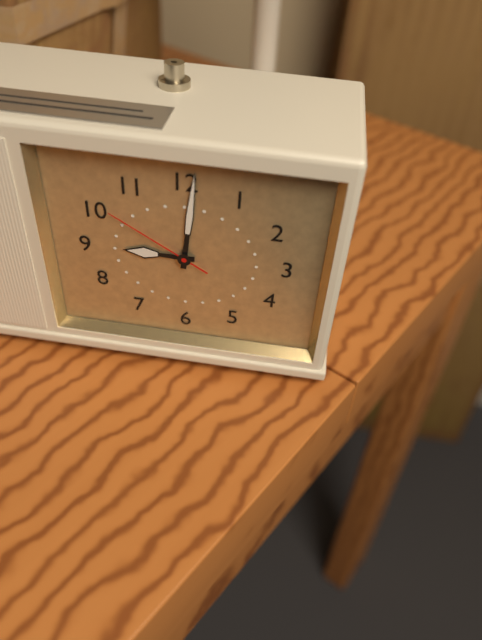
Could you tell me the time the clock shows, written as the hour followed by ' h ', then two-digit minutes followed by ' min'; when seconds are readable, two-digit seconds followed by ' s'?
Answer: 9 h 01 min 50 s
